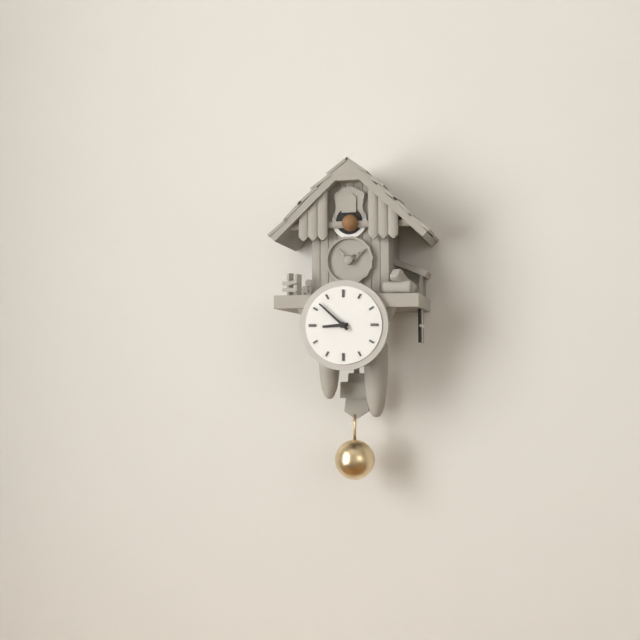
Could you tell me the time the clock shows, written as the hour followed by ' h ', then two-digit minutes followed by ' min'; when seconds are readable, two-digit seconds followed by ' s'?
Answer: 8 h 52 min
